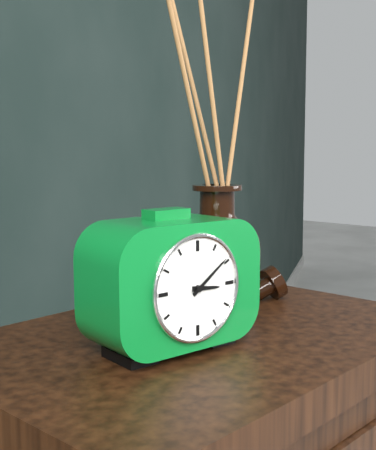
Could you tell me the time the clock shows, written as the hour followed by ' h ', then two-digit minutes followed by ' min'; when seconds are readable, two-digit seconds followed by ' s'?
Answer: 3 h 09 min
